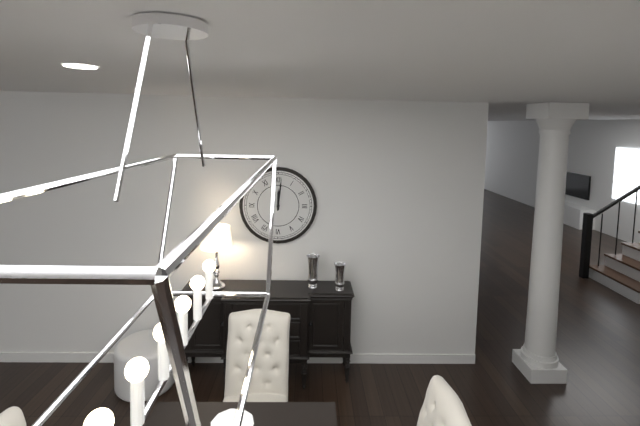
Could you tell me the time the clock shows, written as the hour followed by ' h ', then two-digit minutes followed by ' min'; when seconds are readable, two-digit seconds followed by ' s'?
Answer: 12 h 01 min
